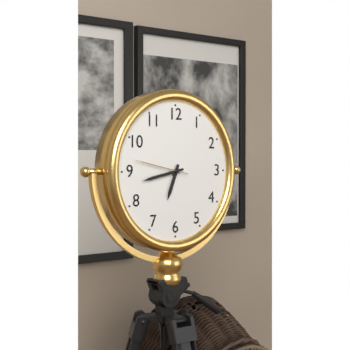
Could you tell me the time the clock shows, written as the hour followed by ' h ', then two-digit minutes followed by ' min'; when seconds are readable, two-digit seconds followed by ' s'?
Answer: 6 h 43 min 47 s
